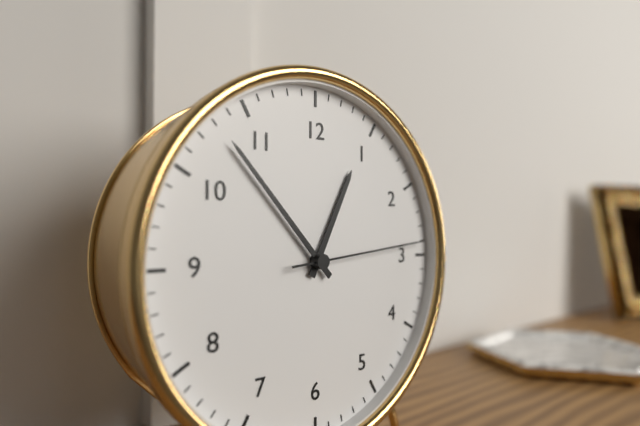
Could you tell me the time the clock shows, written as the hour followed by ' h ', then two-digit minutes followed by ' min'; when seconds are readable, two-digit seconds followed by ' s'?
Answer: 12 h 53 min 14 s
